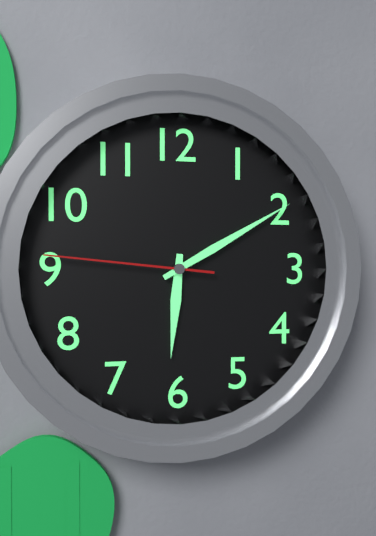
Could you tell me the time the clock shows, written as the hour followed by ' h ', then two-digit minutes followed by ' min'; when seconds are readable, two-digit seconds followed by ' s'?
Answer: 6 h 10 min 46 s
